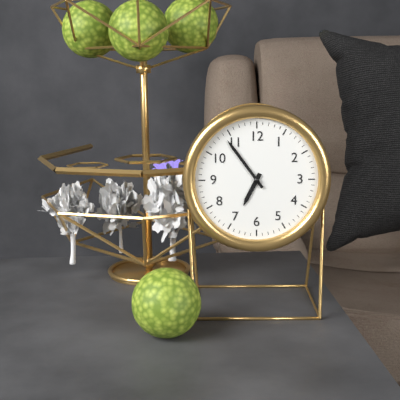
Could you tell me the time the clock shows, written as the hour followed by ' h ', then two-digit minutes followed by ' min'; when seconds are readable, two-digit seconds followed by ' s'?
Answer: 6 h 54 min
